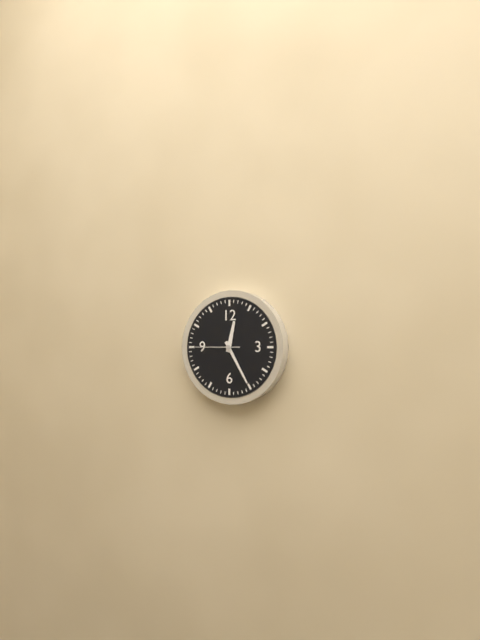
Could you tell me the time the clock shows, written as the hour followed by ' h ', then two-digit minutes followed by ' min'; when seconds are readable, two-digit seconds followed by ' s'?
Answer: 12 h 25 min
